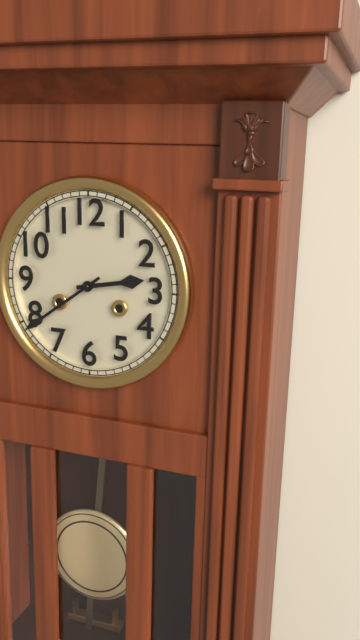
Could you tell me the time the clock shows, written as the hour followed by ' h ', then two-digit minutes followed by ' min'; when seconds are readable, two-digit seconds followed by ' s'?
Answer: 2 h 39 min
